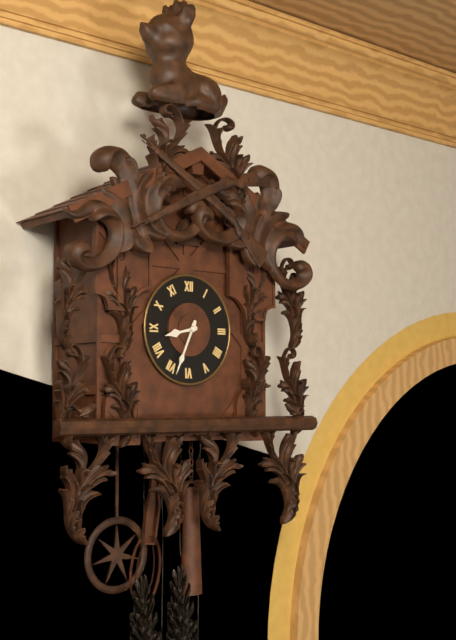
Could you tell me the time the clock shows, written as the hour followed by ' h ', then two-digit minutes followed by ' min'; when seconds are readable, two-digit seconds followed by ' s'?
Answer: 8 h 34 min
